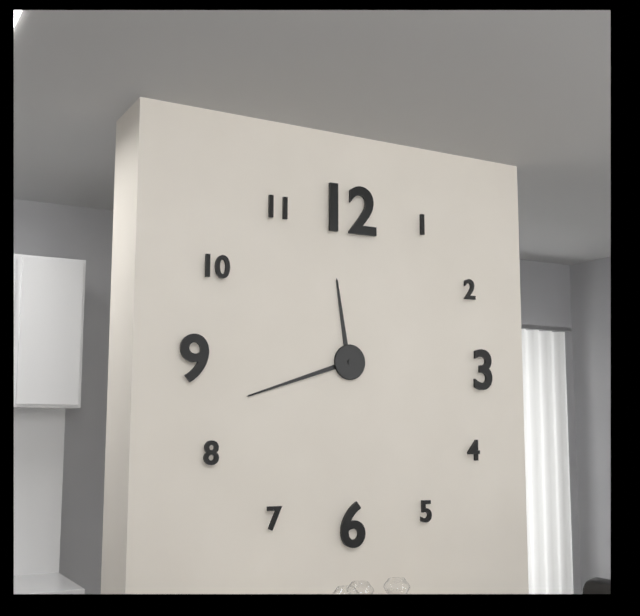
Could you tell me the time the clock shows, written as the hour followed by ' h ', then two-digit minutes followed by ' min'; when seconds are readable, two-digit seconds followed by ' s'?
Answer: 11 h 42 min
